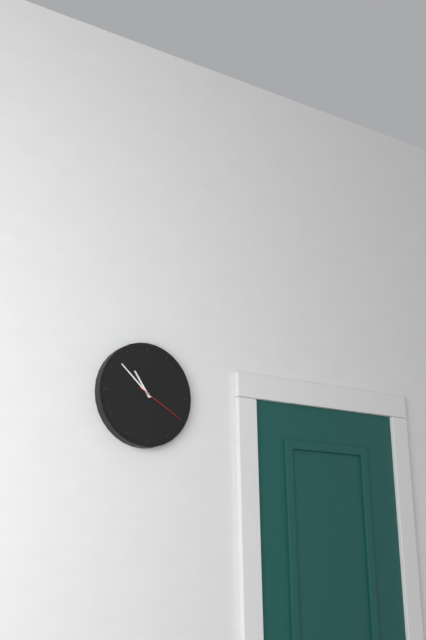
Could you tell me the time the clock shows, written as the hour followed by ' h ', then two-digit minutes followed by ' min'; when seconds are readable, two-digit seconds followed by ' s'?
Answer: 10 h 52 min 20 s
